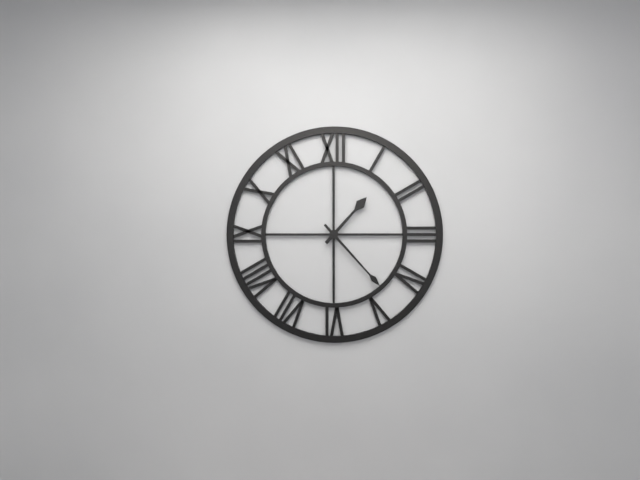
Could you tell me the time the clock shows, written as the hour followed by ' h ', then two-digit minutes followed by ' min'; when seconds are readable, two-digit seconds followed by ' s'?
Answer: 1 h 23 min
